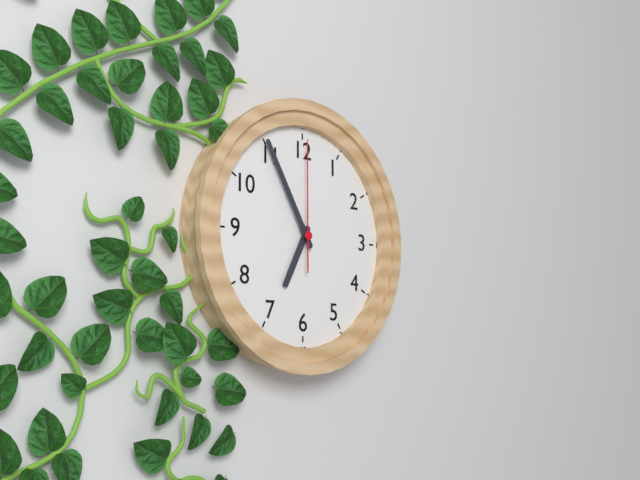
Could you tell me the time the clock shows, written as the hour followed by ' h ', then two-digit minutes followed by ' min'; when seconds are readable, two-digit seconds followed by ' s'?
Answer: 6 h 55 min 00 s
